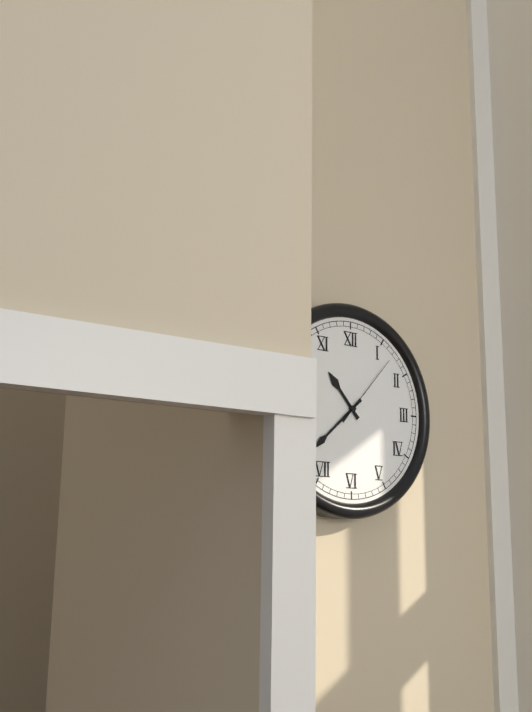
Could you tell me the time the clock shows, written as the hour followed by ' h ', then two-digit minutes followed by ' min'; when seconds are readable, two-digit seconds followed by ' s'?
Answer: 10 h 38 min 07 s
